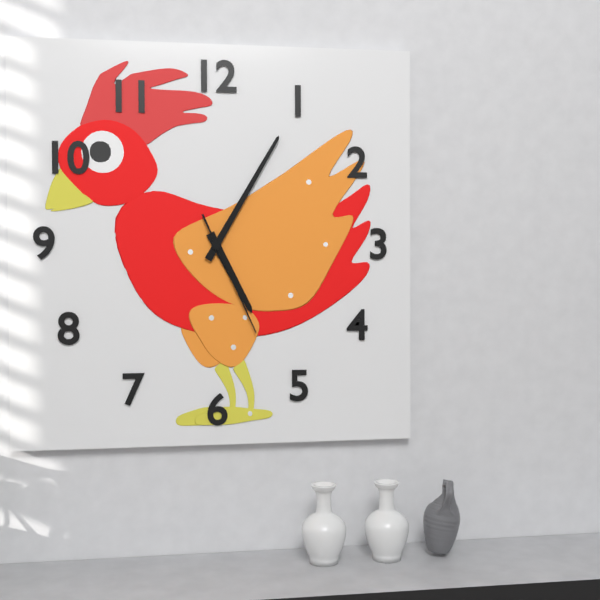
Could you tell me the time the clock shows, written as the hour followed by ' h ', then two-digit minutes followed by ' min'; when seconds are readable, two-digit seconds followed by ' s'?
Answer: 5 h 05 min 26 s
